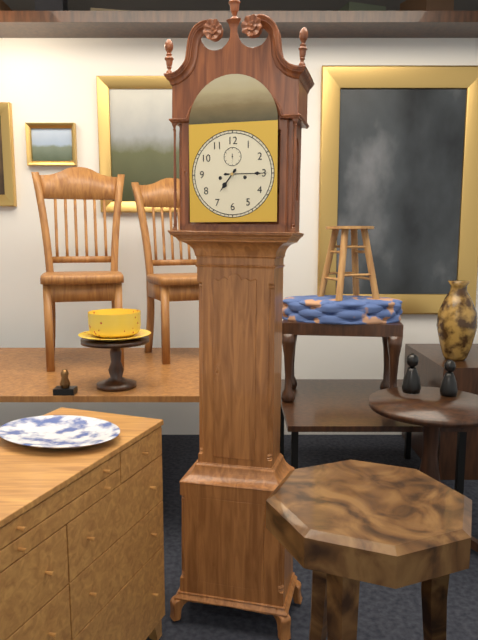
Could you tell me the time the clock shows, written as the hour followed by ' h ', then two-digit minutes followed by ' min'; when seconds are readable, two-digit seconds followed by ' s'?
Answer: 7 h 15 min
